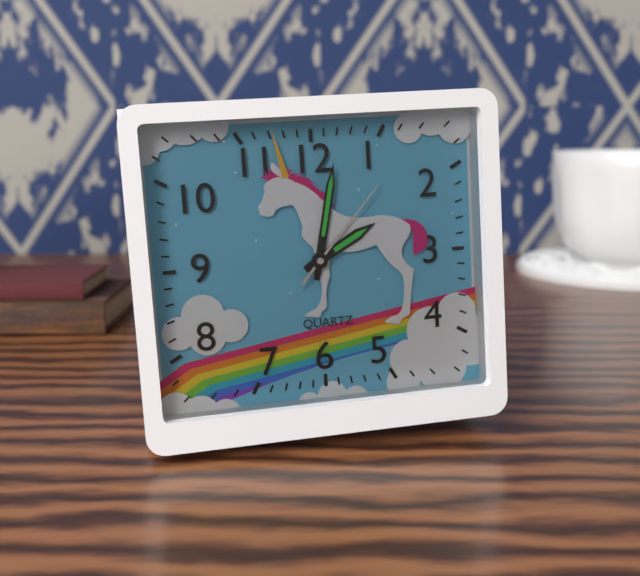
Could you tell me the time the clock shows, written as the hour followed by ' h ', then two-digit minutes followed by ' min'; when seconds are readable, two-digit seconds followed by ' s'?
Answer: 2 h 02 min 07 s
